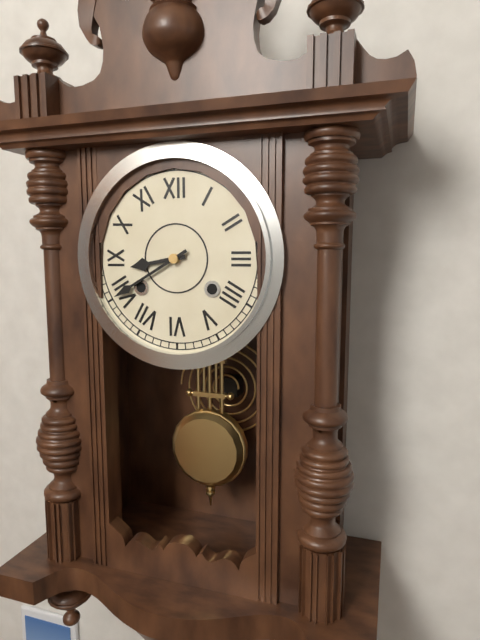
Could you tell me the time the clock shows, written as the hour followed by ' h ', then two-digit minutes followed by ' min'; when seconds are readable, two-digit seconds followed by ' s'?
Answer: 8 h 40 min
